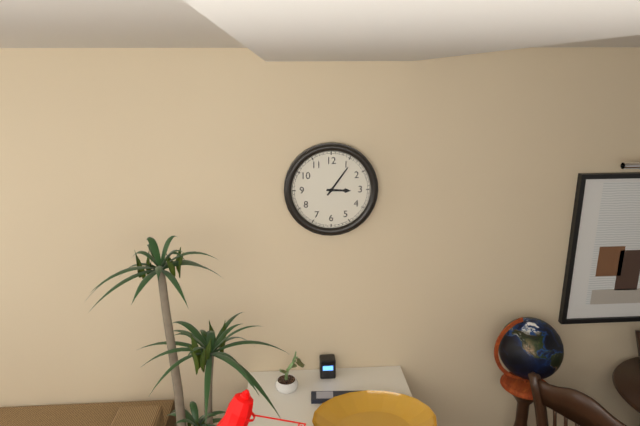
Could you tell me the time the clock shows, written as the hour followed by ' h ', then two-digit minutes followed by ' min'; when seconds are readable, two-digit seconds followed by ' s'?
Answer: 3 h 06 min
